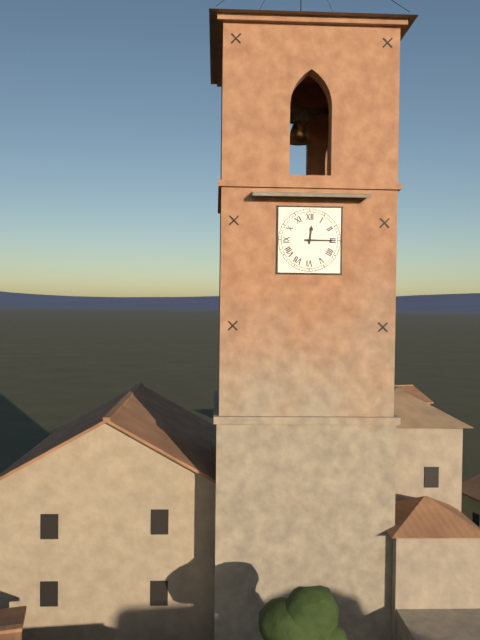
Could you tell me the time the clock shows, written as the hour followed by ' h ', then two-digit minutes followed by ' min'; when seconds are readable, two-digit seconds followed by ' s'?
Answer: 12 h 15 min
